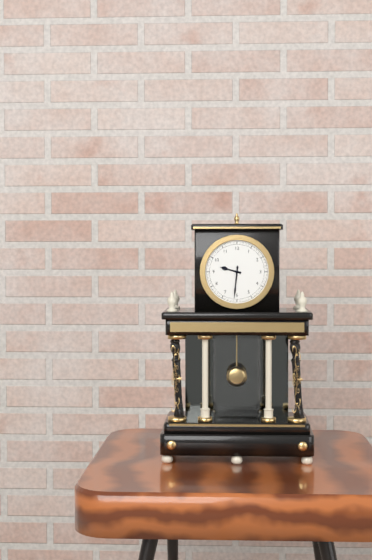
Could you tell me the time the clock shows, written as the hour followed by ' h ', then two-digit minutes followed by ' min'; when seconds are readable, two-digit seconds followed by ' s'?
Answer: 9 h 31 min
